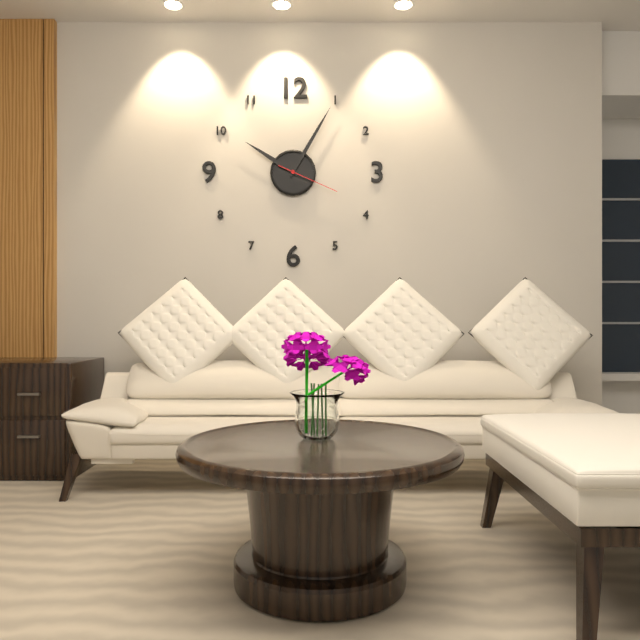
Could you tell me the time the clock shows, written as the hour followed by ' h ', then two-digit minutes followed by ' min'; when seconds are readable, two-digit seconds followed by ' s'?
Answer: 10 h 05 min 19 s
